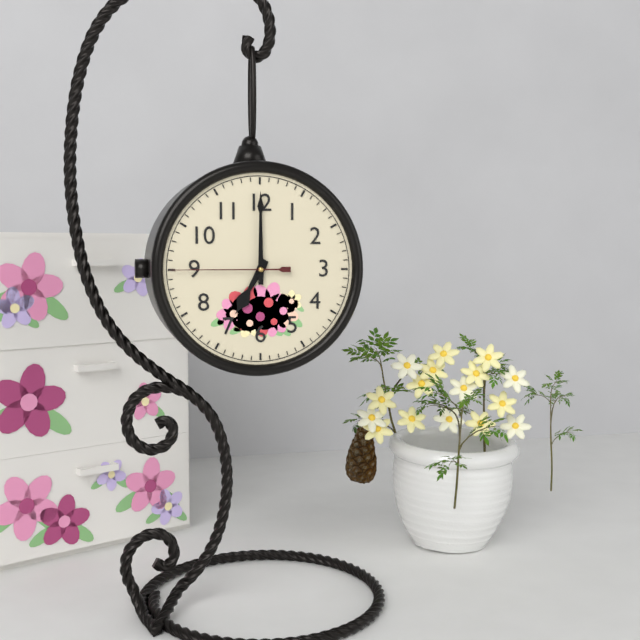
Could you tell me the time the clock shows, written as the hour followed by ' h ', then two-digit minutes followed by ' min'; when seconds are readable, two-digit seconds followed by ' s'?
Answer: 7 h 00 min 45 s
